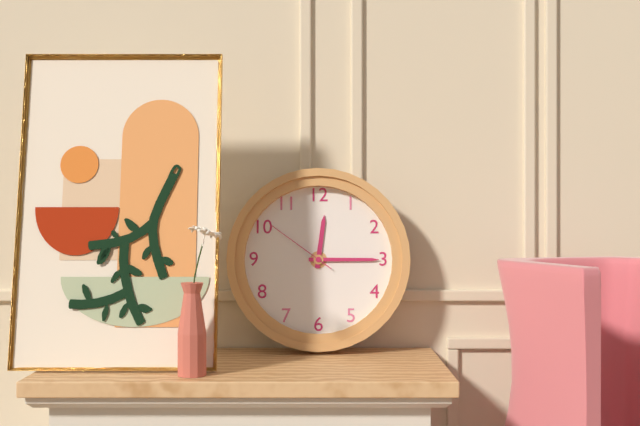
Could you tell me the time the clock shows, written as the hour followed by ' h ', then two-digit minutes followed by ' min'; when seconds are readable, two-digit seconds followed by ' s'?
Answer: 12 h 15 min 51 s
